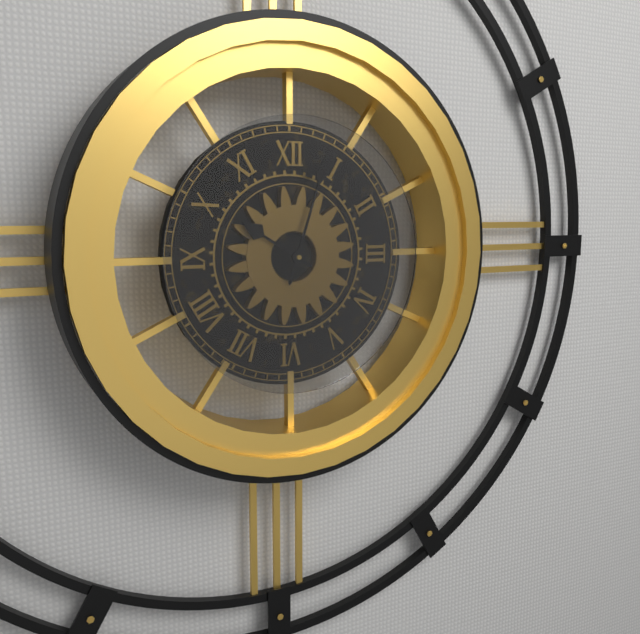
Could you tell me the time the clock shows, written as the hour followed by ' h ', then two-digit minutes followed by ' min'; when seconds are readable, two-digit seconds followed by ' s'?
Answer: 10 h 03 min
